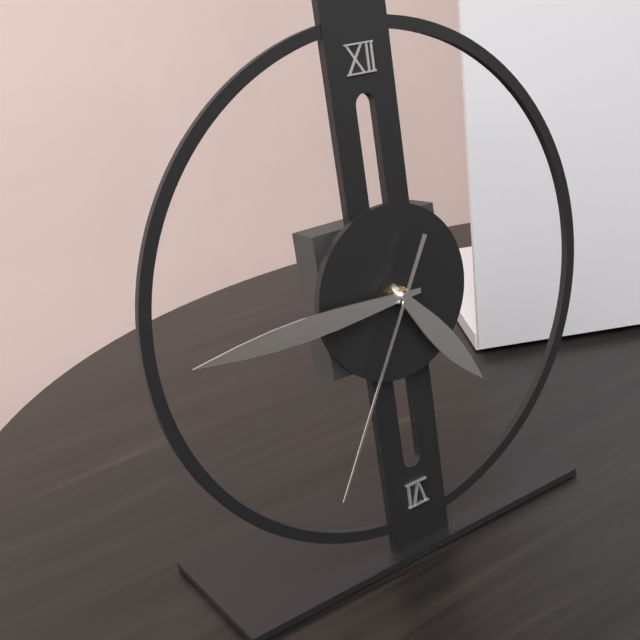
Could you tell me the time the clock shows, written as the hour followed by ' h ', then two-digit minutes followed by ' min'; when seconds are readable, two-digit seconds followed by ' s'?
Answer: 4 h 45 min 35 s
